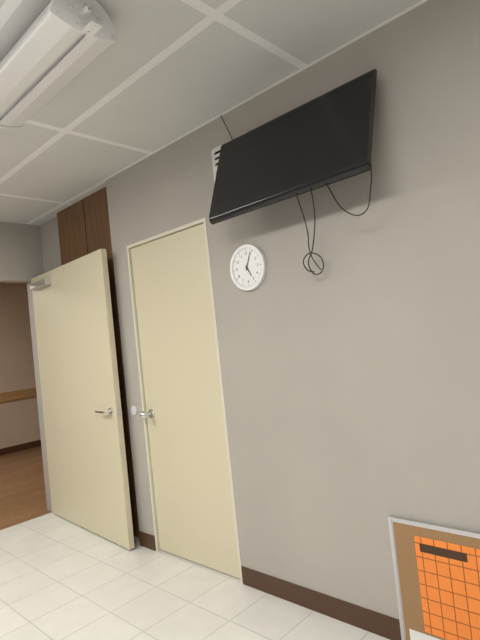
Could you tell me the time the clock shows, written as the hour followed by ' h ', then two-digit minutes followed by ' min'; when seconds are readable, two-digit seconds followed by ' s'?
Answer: 5 h 04 min
